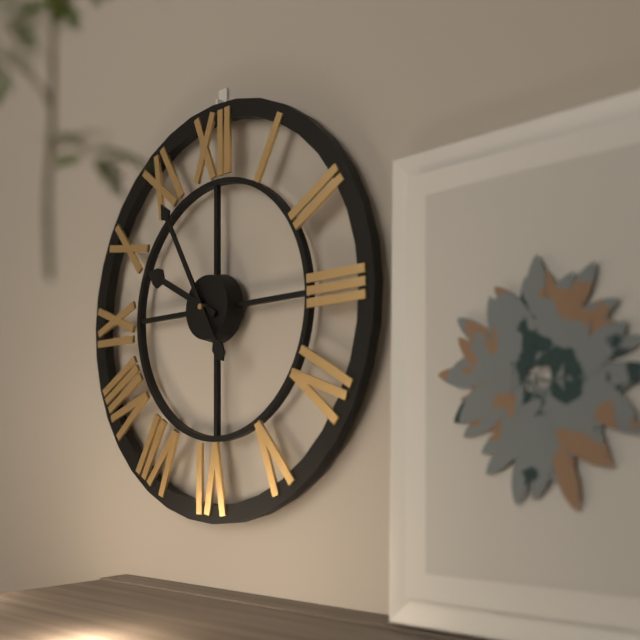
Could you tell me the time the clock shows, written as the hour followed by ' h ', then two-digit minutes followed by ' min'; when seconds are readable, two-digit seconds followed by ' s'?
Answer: 9 h 55 min
